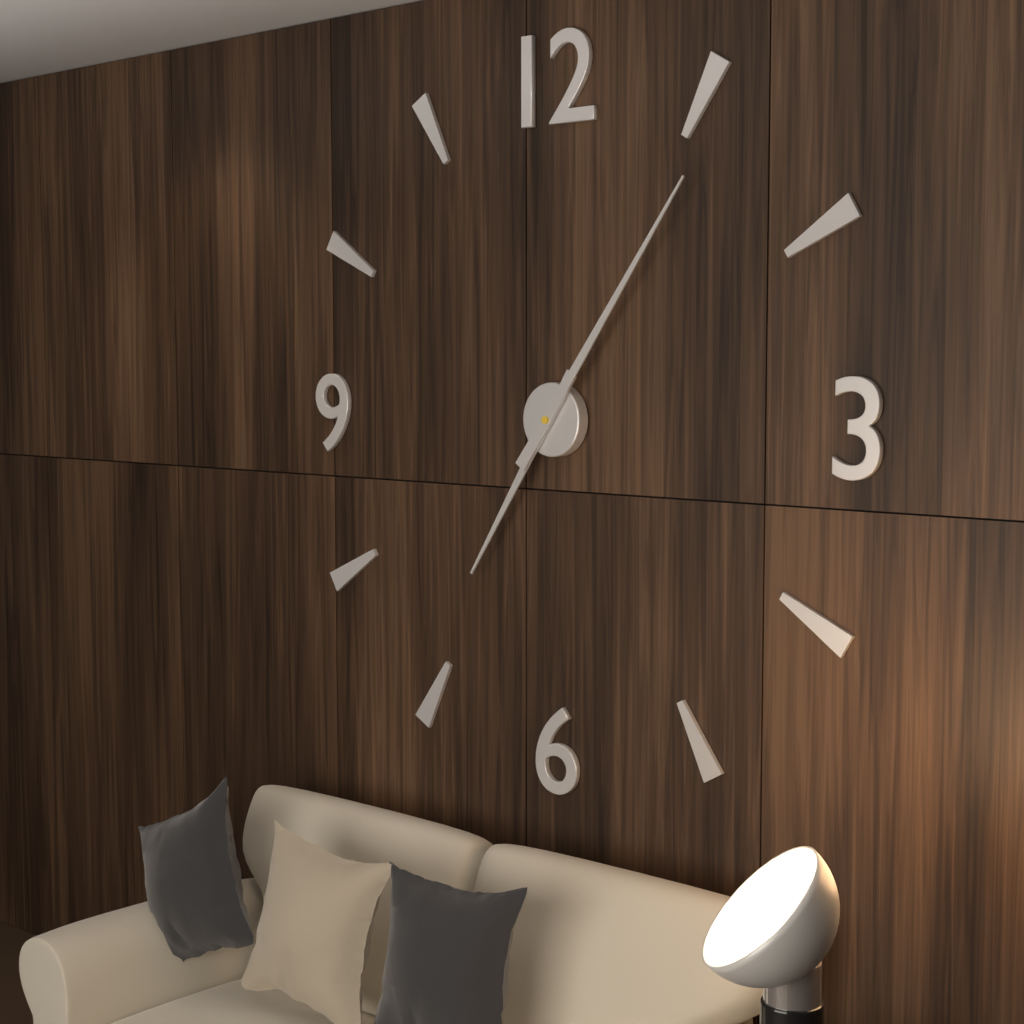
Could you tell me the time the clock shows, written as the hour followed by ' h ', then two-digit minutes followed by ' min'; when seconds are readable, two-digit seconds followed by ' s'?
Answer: 7 h 06 min
